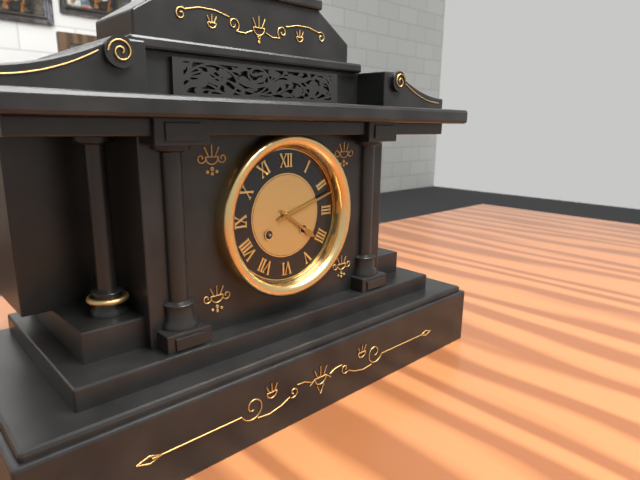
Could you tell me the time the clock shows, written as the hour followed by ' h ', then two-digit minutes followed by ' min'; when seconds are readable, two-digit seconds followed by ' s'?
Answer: 4 h 12 min
